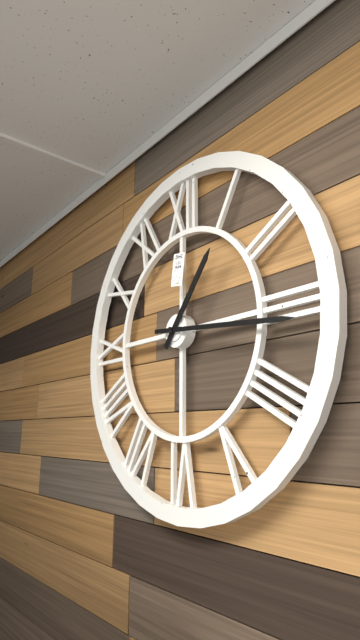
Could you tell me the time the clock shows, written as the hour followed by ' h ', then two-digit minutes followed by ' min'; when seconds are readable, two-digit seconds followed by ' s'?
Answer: 1 h 16 min
